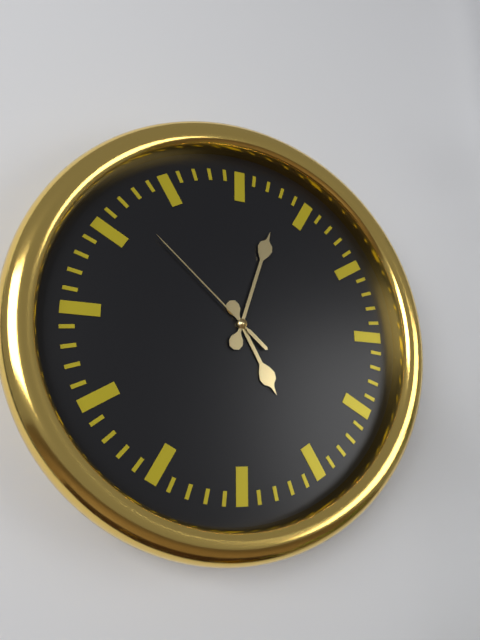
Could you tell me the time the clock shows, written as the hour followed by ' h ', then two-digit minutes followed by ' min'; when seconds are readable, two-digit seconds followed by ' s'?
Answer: 5 h 03 min 52 s
